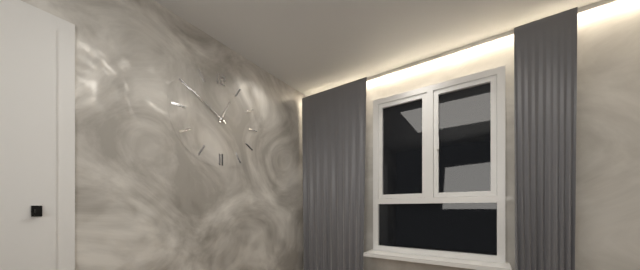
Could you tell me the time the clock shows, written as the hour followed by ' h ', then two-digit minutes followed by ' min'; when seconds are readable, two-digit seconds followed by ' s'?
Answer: 12 h 50 min
